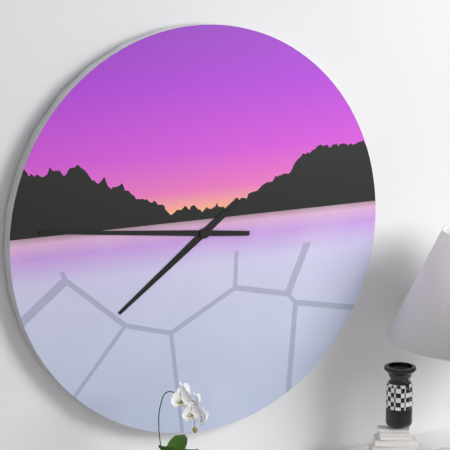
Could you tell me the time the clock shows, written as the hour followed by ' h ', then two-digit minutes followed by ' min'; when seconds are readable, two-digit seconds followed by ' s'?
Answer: 7 h 46 min
